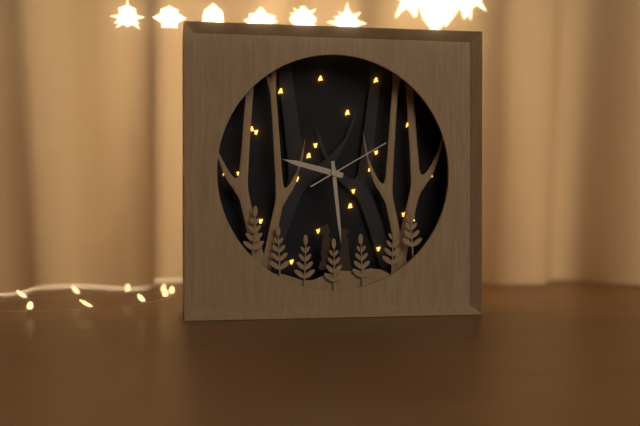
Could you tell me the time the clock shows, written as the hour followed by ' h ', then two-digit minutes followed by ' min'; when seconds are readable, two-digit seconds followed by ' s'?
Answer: 9 h 29 min 10 s
